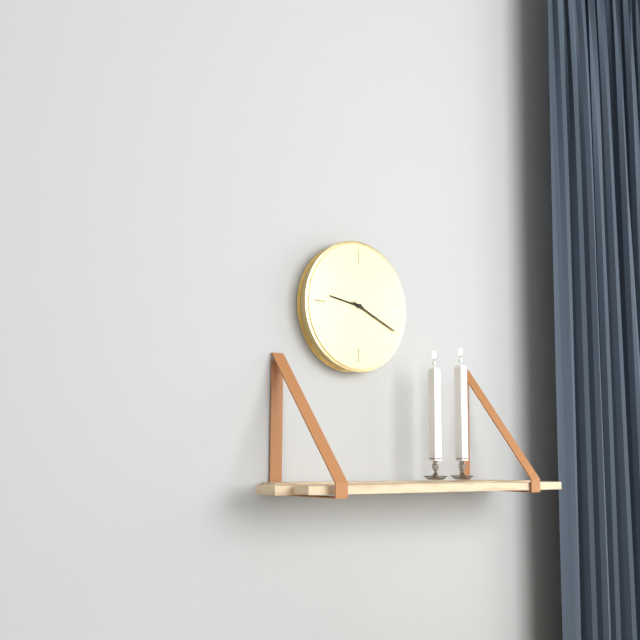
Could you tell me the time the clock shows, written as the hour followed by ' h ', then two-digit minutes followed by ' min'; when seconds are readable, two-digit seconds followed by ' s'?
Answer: 9 h 19 min
